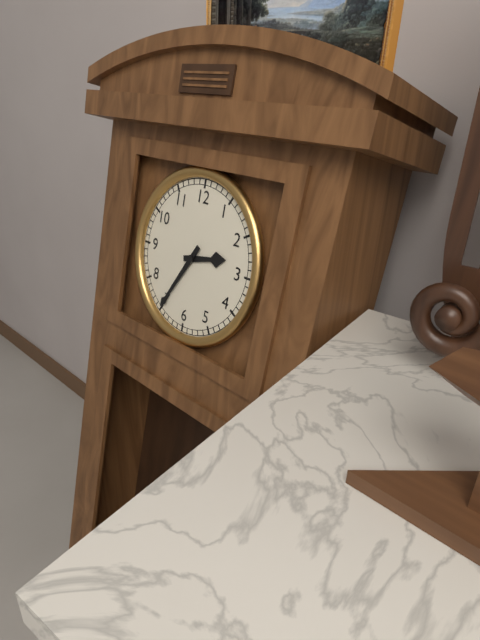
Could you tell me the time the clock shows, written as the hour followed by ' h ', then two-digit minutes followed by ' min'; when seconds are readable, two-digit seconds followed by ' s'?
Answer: 2 h 35 min
